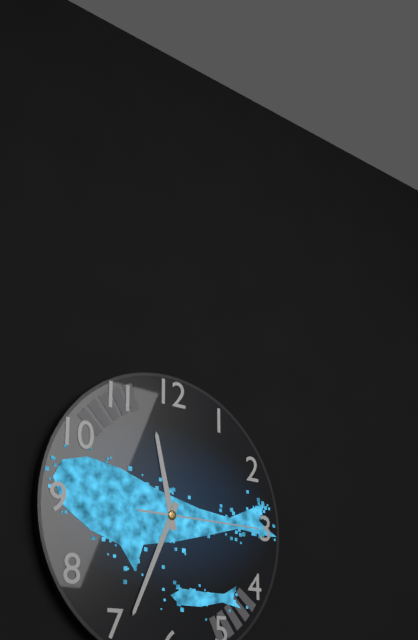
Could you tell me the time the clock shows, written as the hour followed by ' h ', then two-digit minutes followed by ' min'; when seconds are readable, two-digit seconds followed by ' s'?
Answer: 11 h 34 min 15 s
